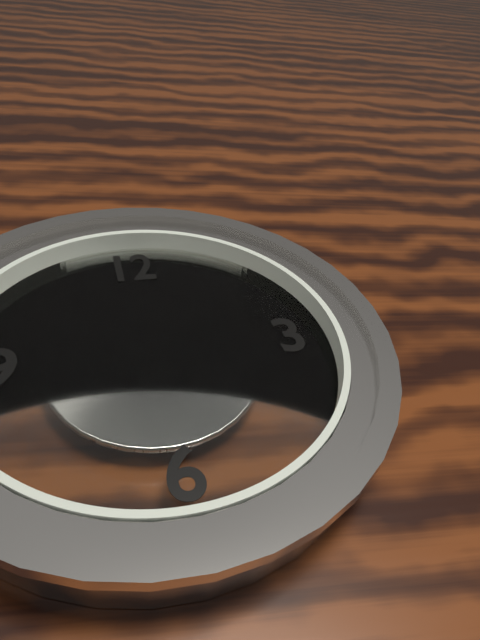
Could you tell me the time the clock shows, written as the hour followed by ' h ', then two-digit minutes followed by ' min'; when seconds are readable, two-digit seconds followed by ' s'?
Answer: 1 h 57 min
